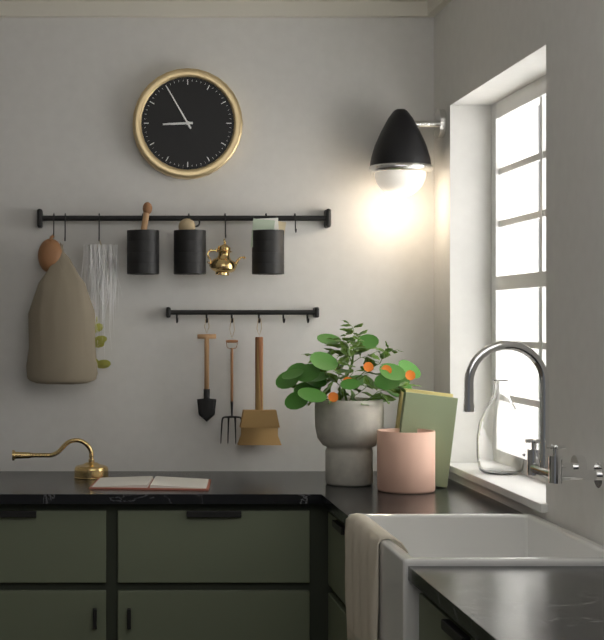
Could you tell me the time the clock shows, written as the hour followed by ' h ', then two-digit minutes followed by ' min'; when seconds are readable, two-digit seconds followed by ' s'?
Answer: 8 h 55 min
